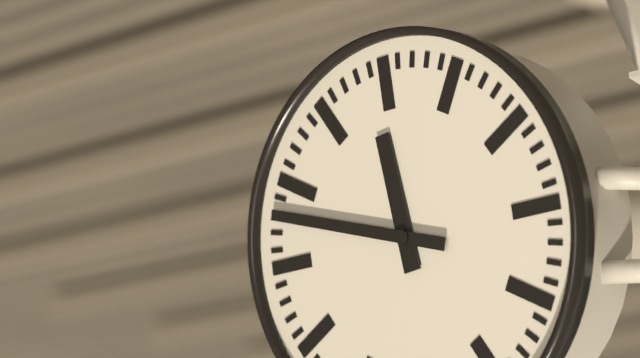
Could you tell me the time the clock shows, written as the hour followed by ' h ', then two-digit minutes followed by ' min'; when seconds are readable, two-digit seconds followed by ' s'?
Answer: 11 h 48 min
